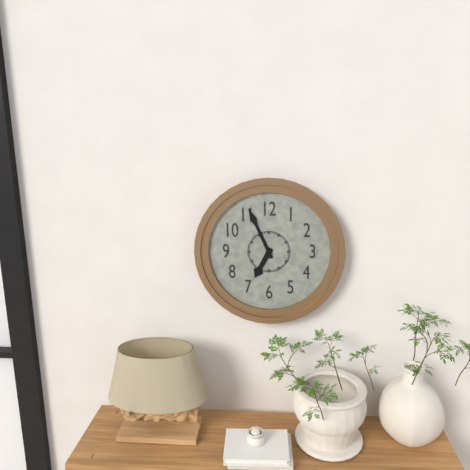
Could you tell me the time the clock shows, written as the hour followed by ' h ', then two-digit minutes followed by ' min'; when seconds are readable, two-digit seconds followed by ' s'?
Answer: 6 h 56 min
